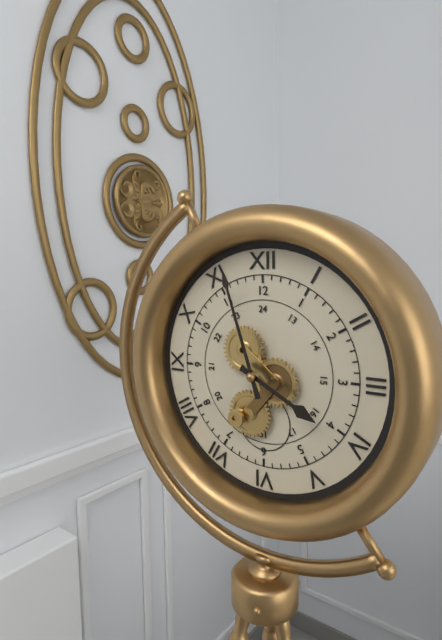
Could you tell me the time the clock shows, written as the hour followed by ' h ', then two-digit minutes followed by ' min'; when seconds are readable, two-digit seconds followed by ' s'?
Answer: 3 h 57 min
